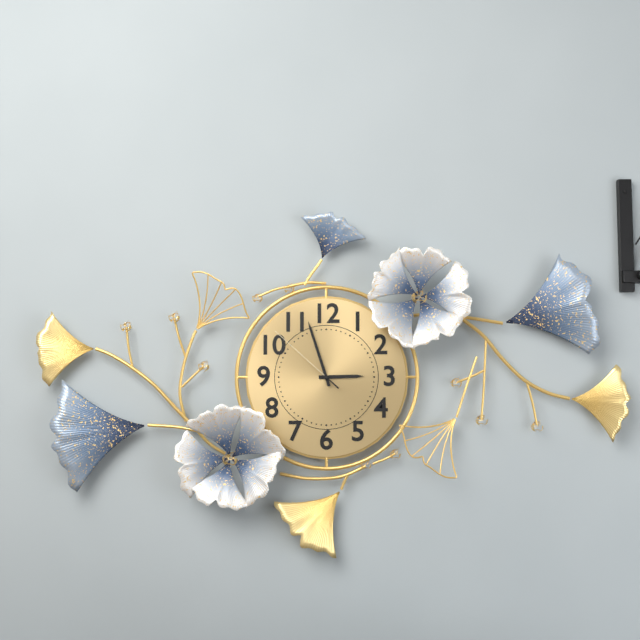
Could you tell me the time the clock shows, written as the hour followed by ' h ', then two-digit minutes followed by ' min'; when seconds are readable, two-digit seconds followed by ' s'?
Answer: 2 h 57 min 52 s
